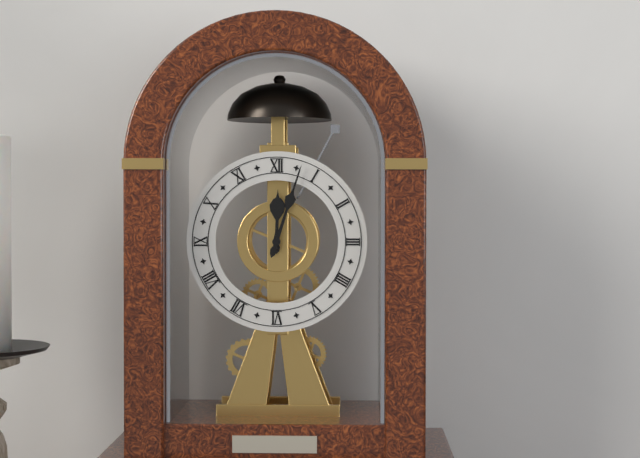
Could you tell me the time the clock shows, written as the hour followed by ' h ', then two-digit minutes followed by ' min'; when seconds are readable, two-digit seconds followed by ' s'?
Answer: 12 h 03 min
